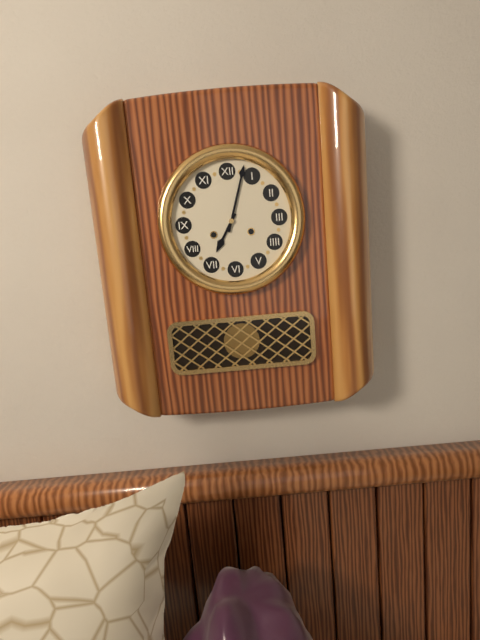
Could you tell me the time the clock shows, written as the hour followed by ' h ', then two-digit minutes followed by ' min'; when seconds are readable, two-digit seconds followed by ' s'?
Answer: 7 h 03 min
